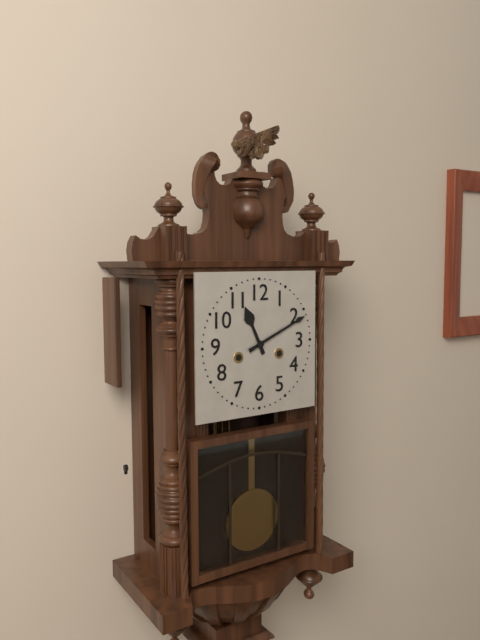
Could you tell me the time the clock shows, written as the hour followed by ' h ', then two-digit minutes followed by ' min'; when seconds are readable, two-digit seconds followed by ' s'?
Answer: 11 h 11 min
